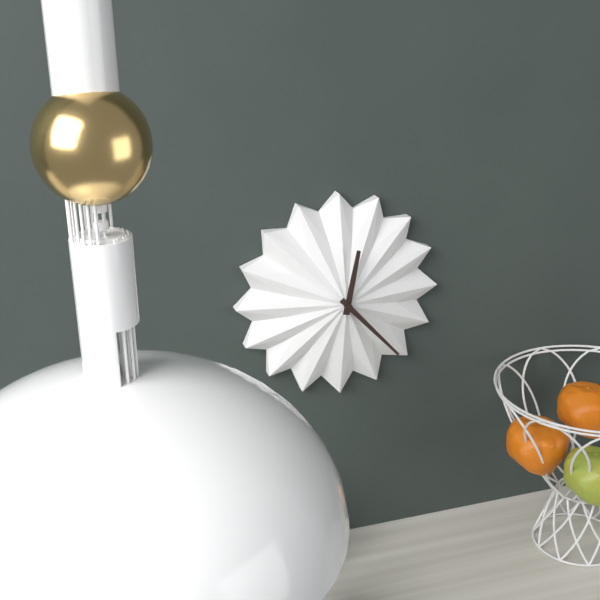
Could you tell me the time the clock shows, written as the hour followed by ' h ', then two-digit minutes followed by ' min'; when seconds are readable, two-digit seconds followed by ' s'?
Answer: 12 h 23 min
